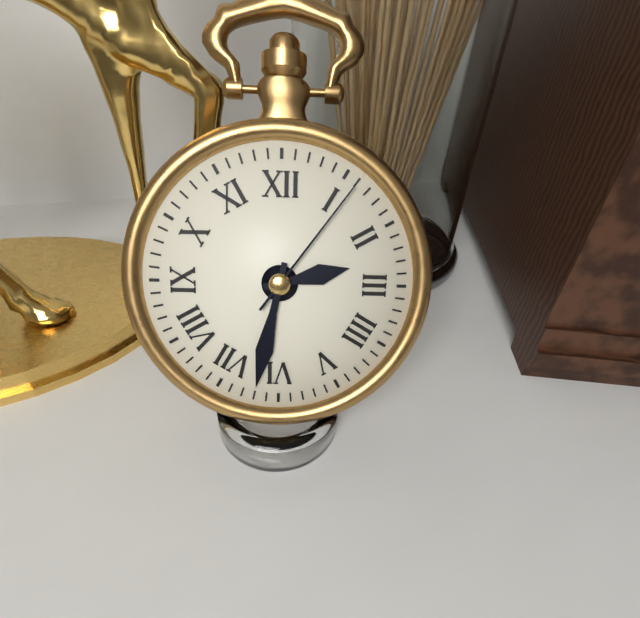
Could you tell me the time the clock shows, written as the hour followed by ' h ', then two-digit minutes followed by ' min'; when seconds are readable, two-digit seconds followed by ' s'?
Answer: 2 h 32 min 06 s
